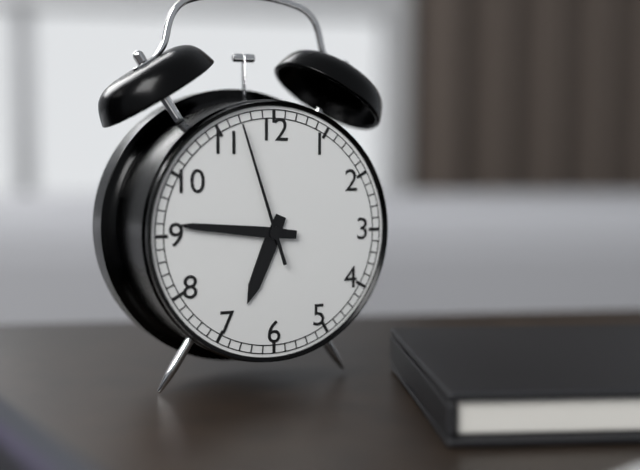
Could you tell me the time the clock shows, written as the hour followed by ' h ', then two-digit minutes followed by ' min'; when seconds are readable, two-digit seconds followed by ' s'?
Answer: 6 h 46 min 57 s
